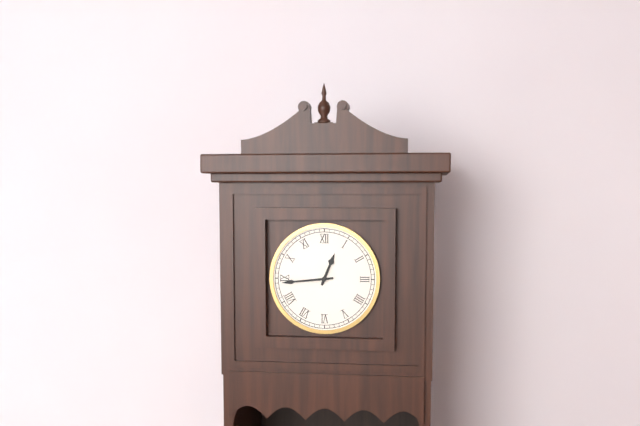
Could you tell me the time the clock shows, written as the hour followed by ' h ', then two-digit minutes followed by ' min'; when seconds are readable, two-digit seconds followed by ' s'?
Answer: 12 h 44 min
